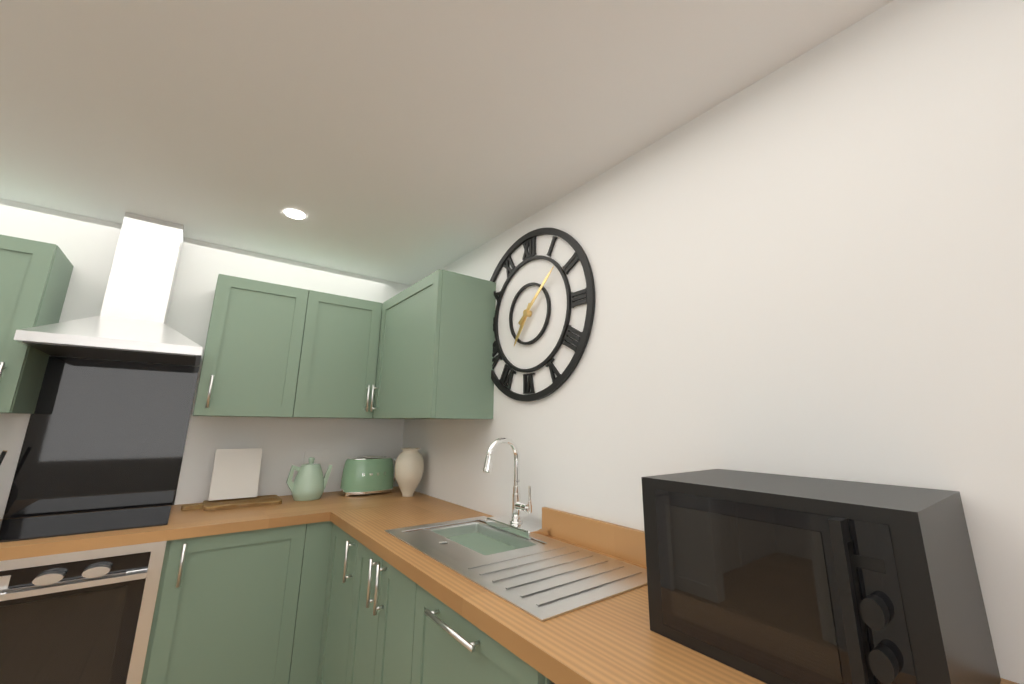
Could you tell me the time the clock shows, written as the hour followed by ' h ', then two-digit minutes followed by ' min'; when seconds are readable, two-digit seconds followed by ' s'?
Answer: 7 h 08 min
